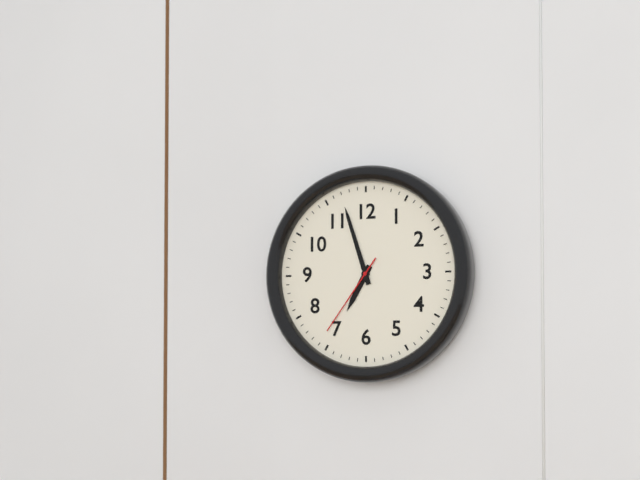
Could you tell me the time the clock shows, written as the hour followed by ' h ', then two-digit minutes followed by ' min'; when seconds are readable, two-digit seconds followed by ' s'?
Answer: 6 h 57 min 36 s
